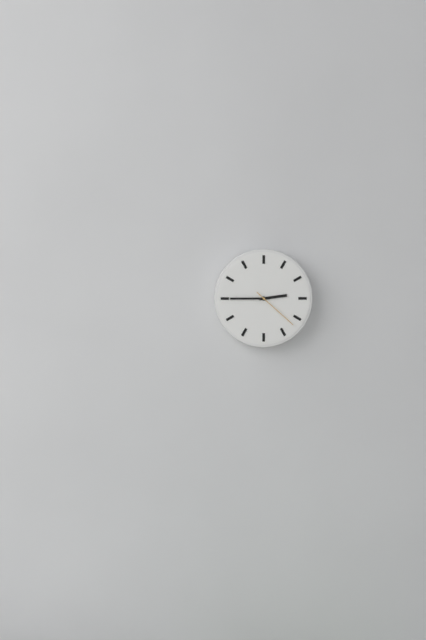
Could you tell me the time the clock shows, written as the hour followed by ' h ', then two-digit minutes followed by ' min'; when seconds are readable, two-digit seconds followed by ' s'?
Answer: 2 h 45 min
